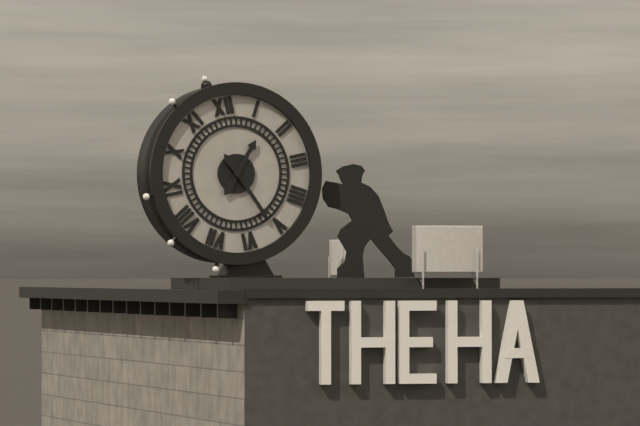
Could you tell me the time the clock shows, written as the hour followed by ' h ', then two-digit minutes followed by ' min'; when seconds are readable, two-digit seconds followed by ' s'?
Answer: 1 h 26 min
